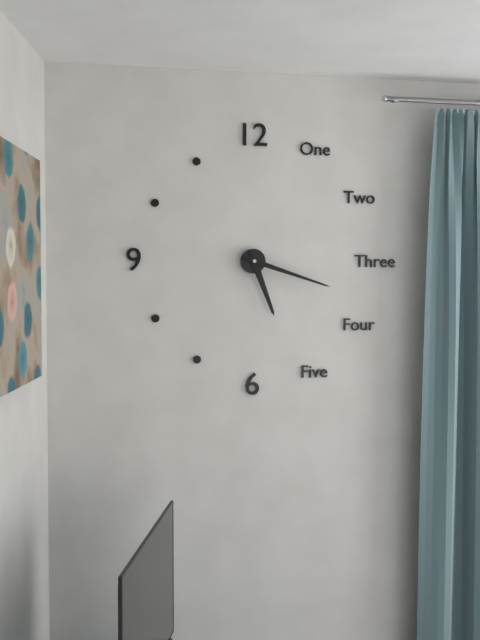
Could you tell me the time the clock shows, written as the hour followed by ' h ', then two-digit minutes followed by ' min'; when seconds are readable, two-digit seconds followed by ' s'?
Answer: 5 h 18 min
